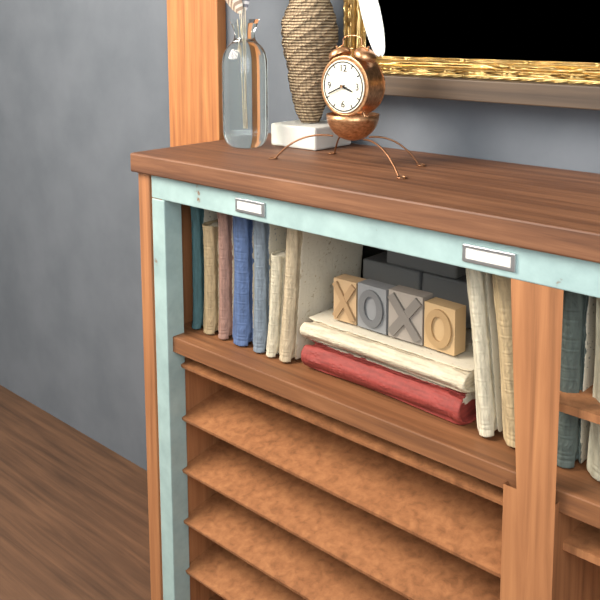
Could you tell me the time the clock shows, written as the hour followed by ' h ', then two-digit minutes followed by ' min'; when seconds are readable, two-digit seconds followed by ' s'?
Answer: 3 h 41 min
